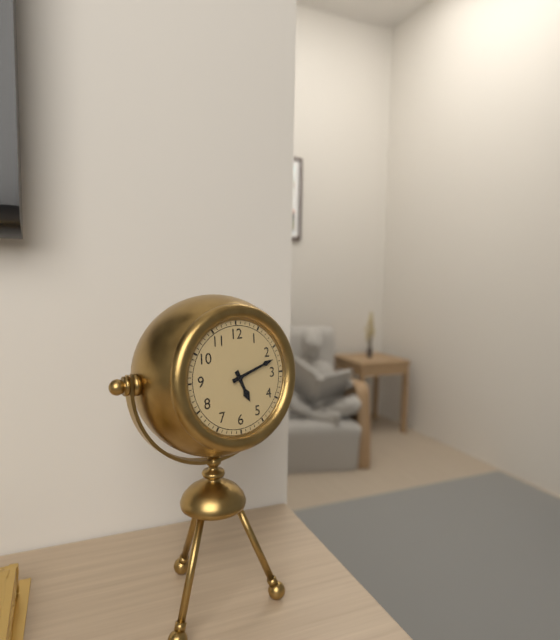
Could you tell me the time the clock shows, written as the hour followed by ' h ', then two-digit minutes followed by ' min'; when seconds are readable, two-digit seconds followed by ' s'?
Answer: 5 h 12 min
